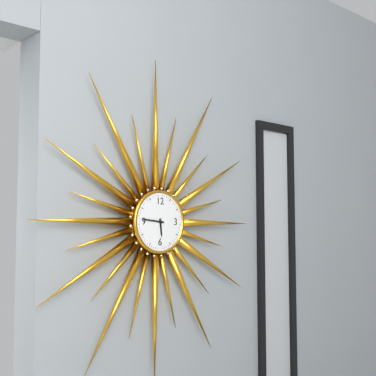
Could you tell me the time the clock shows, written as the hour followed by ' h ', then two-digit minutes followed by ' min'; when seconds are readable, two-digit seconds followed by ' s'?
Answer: 5 h 46 min
